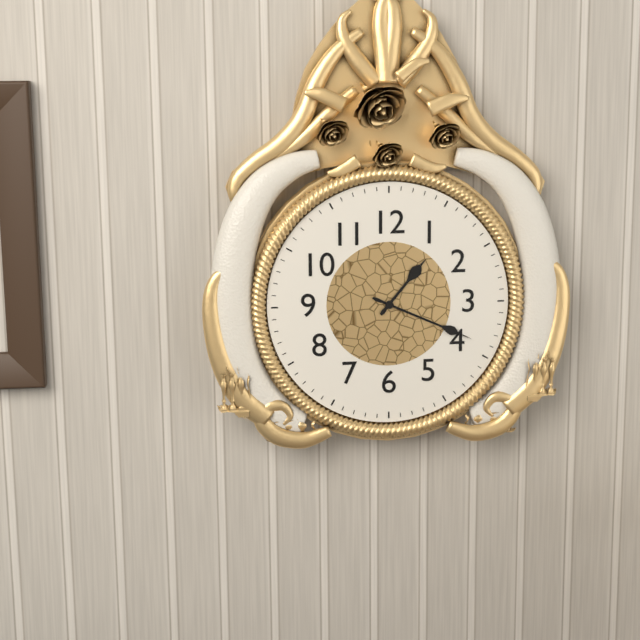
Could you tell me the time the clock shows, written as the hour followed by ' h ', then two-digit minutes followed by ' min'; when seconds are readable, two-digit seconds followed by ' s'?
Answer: 1 h 19 min
